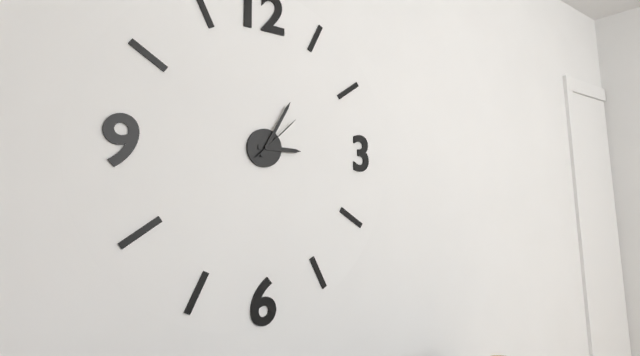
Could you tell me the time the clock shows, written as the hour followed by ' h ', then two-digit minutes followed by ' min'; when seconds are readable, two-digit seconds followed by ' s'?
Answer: 3 h 05 min 08 s
